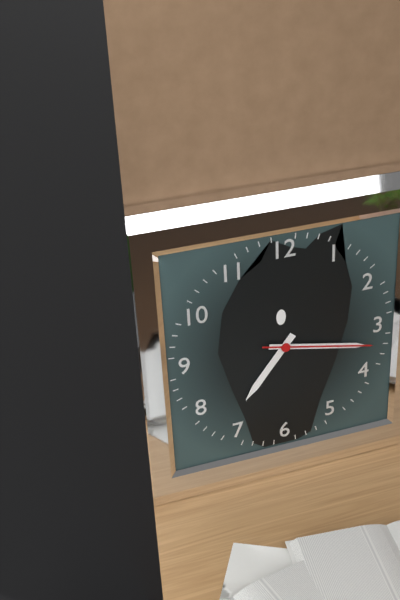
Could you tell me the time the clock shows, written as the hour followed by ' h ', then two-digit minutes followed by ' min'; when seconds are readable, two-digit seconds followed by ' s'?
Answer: 7 h 17 min 17 s
